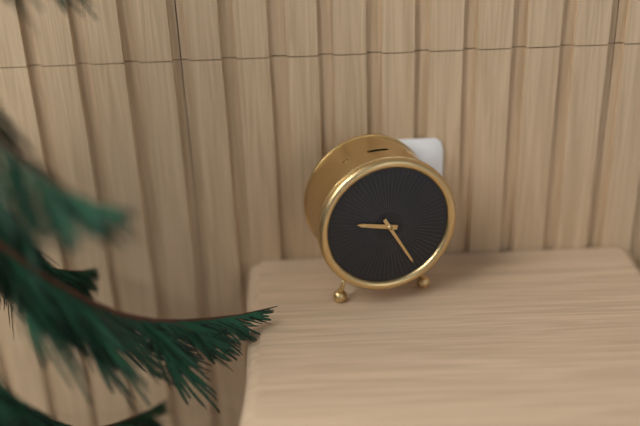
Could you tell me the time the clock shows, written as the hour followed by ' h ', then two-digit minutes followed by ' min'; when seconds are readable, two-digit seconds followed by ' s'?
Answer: 9 h 25 min
